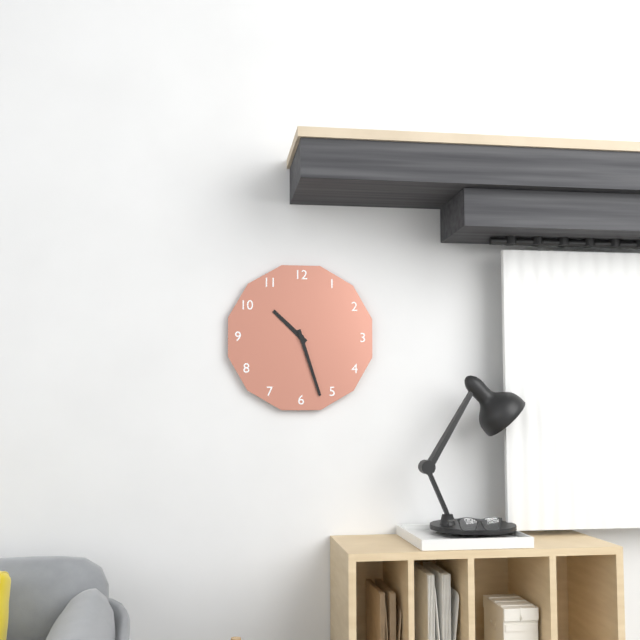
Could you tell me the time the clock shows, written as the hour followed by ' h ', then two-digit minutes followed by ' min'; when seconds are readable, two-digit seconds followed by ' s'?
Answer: 10 h 27 min
